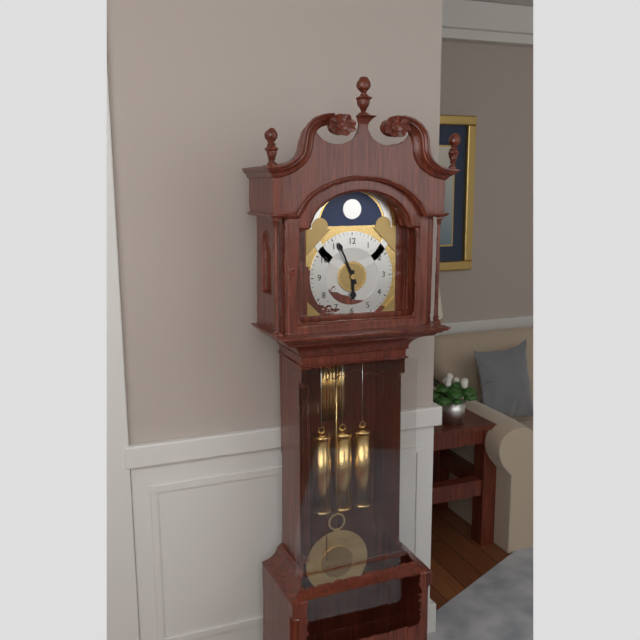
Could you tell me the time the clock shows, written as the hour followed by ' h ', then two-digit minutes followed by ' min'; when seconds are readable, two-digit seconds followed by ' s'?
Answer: 5 h 56 min
